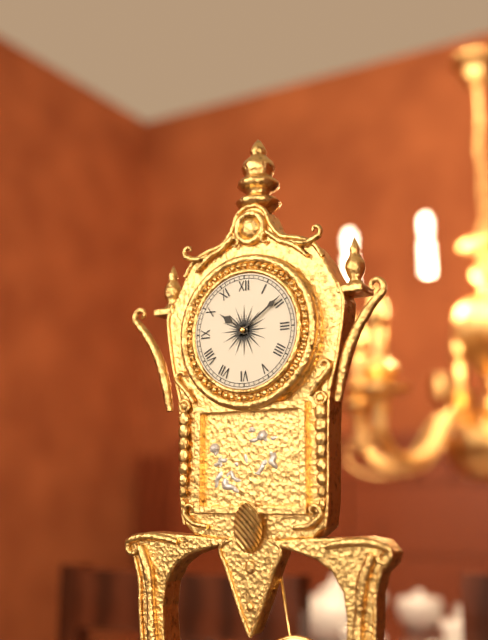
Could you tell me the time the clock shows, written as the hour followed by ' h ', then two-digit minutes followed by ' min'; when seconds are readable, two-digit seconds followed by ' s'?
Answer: 10 h 09 min
